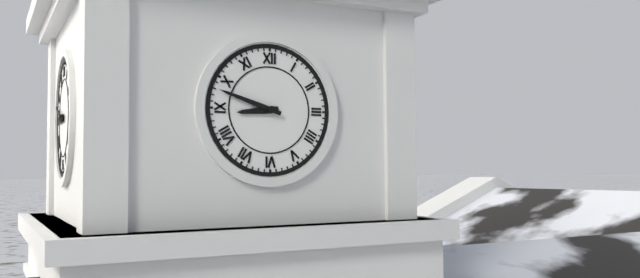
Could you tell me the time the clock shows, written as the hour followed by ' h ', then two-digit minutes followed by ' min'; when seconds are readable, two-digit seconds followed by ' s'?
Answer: 8 h 48 min
